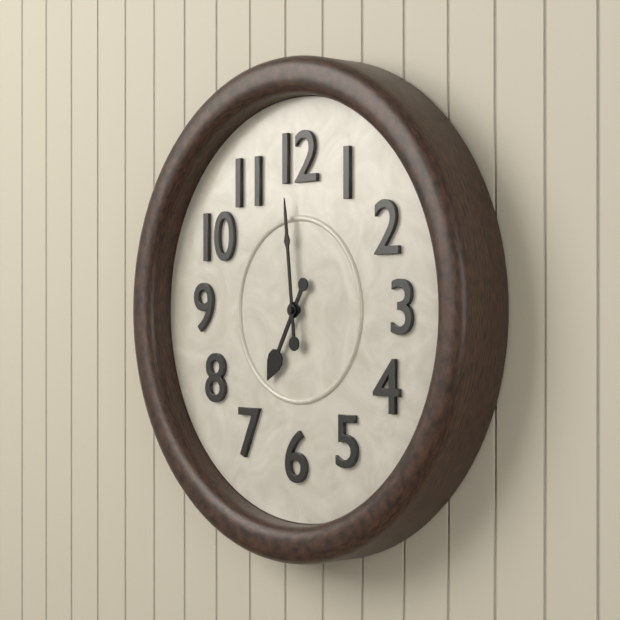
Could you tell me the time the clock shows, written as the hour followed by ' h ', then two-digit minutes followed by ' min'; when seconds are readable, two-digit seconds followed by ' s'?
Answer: 6 h 59 min
